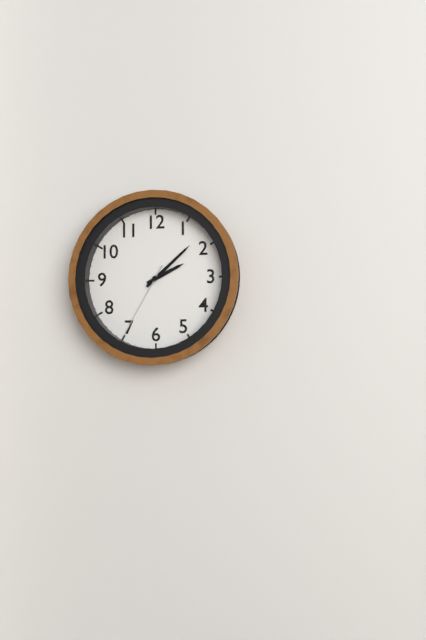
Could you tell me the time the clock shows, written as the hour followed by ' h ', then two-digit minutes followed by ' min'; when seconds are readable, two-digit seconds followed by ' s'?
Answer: 2 h 08 min 35 s
